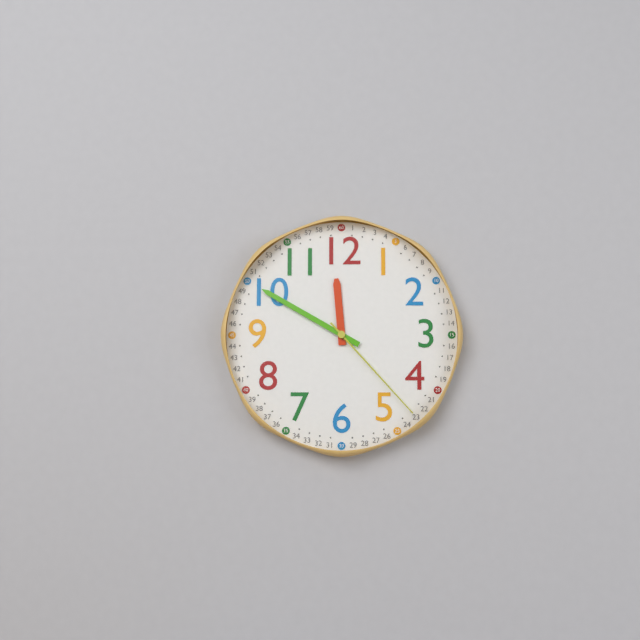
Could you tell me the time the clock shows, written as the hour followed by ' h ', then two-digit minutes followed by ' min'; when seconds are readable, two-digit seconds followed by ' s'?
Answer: 11 h 50 min 23 s
